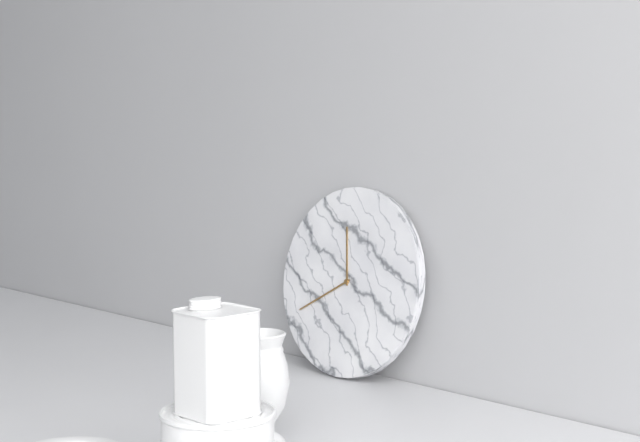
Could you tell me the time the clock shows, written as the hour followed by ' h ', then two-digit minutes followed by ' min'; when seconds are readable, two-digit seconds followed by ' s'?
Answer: 11 h 40 min
